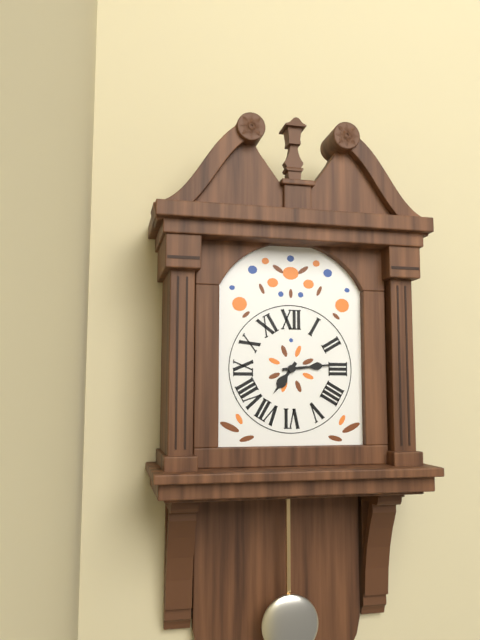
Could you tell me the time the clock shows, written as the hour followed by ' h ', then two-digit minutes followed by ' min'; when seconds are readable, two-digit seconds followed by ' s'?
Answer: 7 h 14 min
